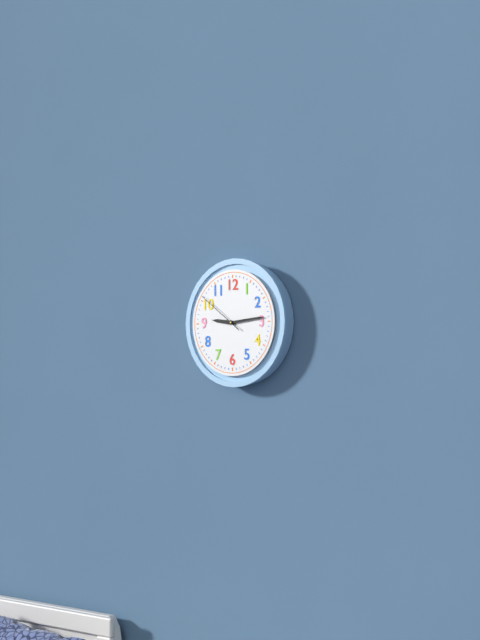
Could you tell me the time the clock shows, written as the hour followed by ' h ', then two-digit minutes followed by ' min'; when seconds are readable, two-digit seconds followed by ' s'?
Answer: 9 h 14 min
